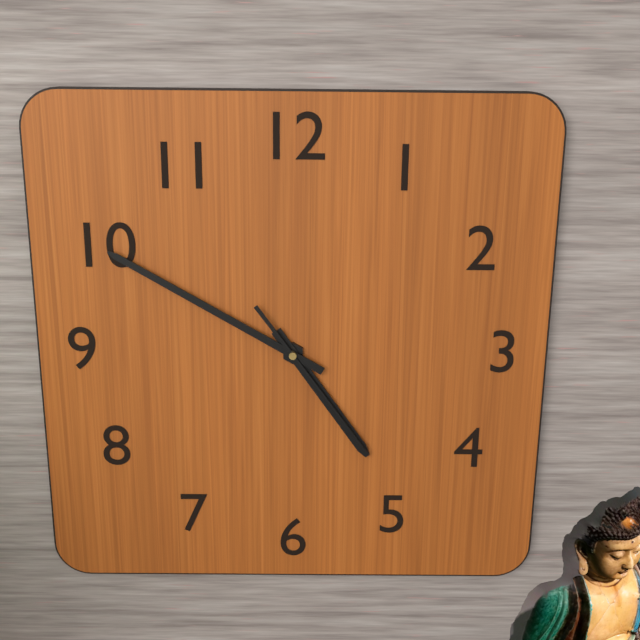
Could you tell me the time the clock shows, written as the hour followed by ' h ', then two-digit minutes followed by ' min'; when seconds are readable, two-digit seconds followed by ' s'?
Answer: 4 h 50 min 24 s
